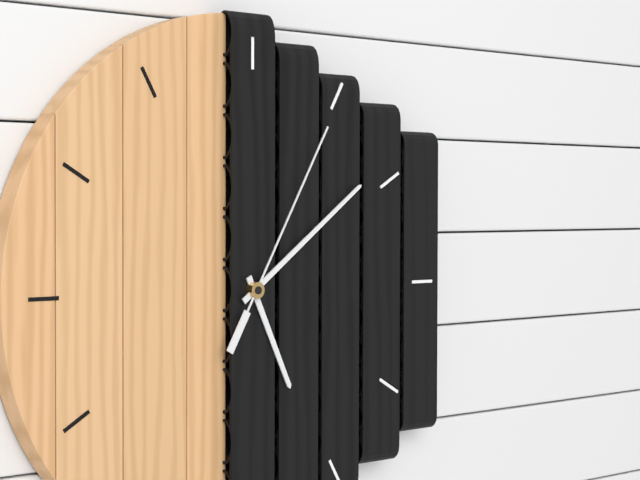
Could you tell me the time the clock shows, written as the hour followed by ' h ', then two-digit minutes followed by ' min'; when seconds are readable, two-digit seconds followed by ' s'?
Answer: 5 h 09 min 05 s
